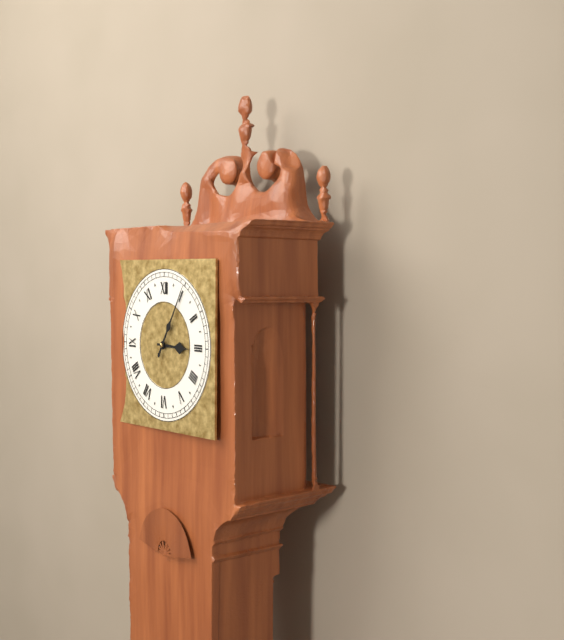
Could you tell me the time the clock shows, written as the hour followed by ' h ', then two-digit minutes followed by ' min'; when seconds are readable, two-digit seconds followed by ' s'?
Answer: 3 h 05 min
